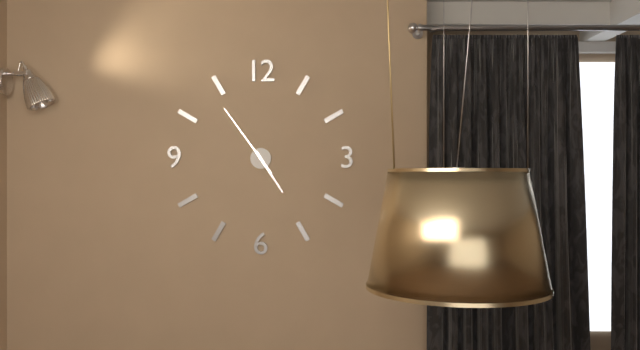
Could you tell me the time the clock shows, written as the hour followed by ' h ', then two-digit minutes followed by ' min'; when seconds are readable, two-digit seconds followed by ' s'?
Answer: 4 h 54 min
